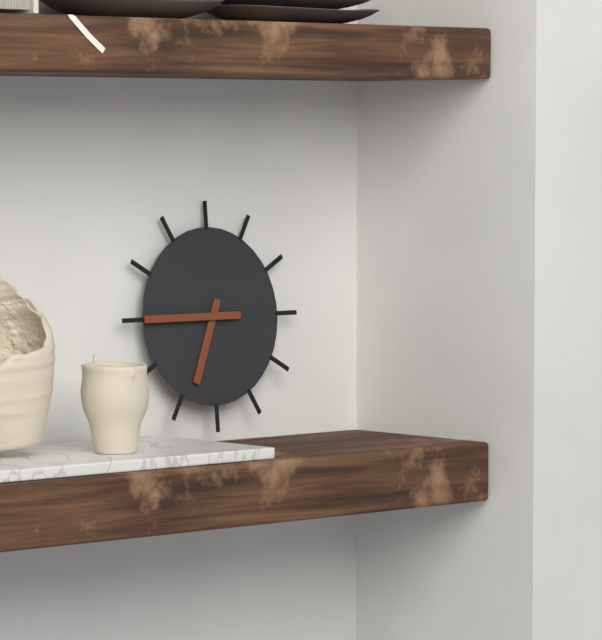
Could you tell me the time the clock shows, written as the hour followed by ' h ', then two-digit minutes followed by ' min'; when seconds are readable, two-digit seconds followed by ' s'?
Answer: 6 h 45 min
